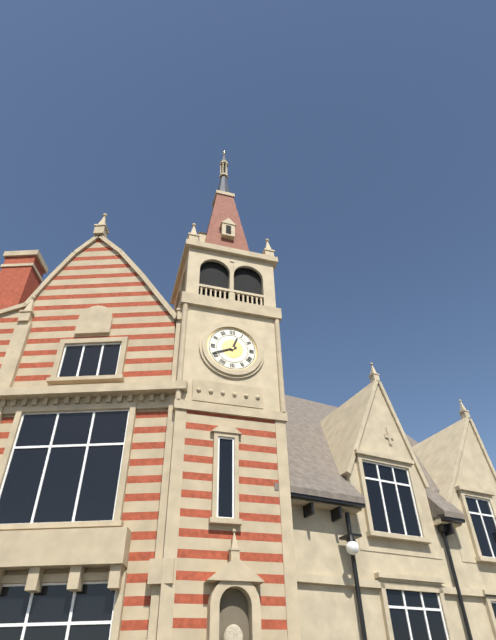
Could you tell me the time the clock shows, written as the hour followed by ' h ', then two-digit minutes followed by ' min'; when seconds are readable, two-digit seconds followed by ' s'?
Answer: 12 h 41 min
